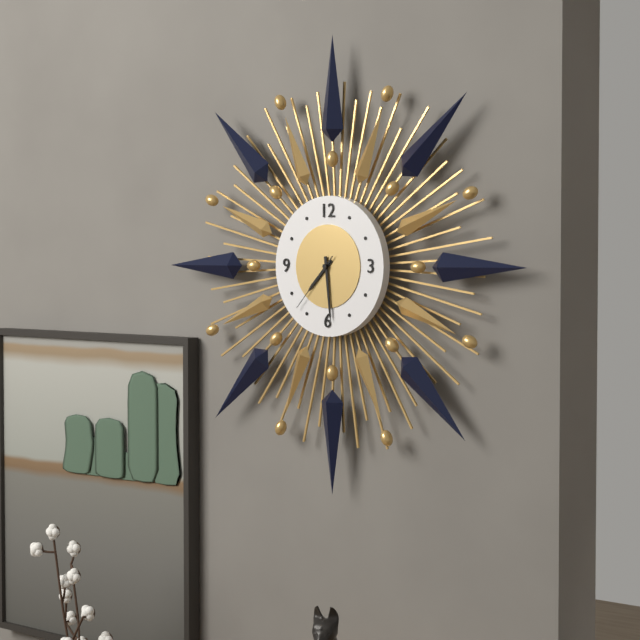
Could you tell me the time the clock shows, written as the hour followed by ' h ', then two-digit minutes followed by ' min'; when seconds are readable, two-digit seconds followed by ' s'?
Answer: 7 h 29 min 37 s
